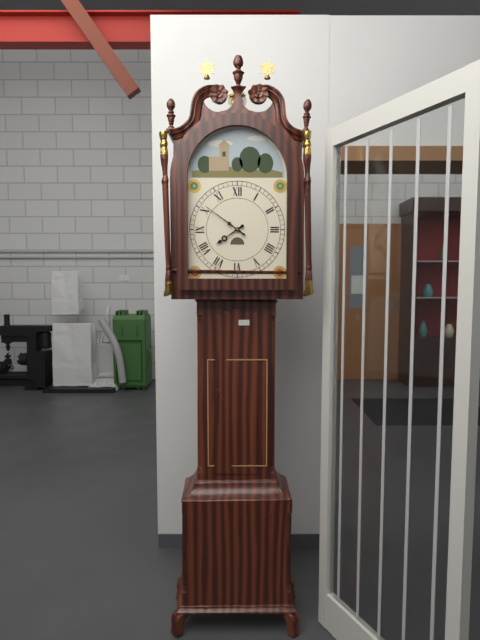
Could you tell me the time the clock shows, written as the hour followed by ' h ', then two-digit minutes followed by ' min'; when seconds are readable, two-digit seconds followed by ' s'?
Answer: 7 h 51 min
